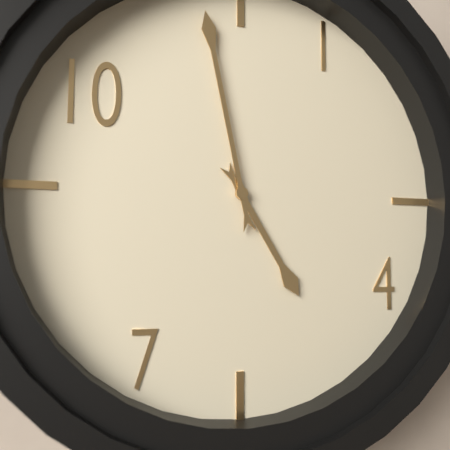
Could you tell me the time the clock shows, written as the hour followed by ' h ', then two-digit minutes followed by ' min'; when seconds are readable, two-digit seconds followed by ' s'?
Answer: 4 h 58 min
